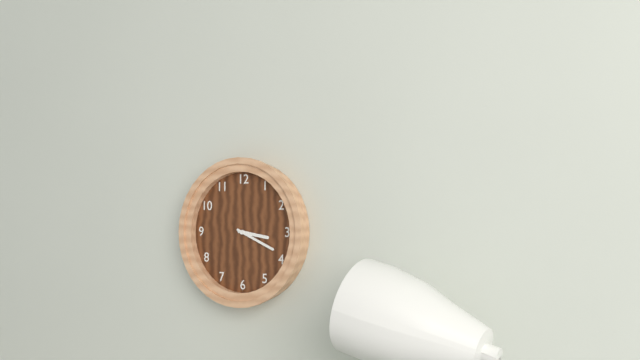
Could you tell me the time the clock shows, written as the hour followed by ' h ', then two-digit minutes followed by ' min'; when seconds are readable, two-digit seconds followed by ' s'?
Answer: 3 h 19 min
